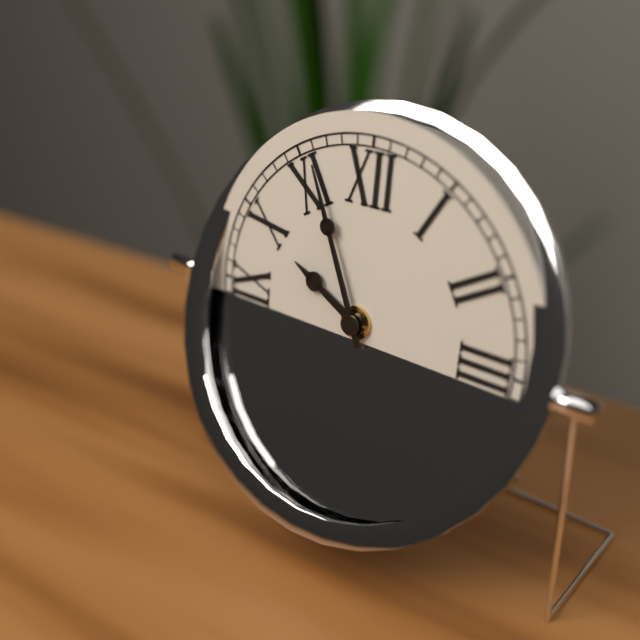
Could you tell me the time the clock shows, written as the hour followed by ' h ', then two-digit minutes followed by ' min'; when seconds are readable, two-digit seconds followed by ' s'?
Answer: 9 h 56 min
